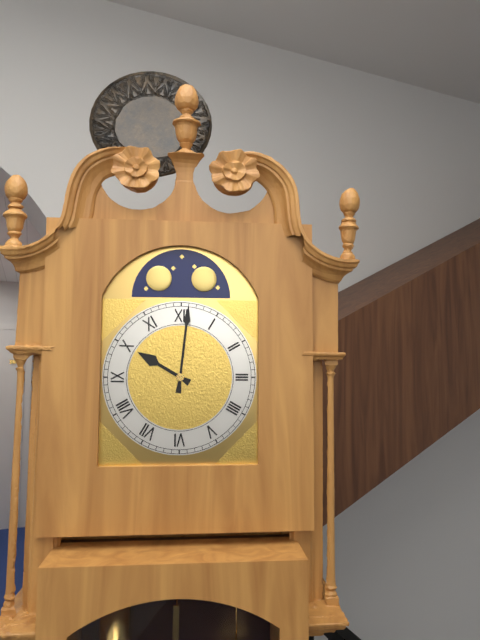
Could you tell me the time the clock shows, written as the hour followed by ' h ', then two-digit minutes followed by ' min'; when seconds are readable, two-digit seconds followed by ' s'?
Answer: 10 h 01 min
